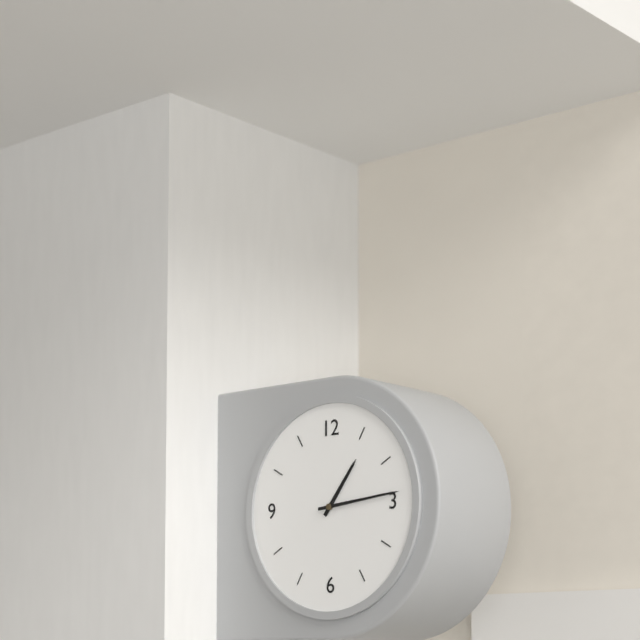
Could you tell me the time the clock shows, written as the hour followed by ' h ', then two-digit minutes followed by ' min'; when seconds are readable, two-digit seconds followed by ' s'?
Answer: 1 h 14 min
